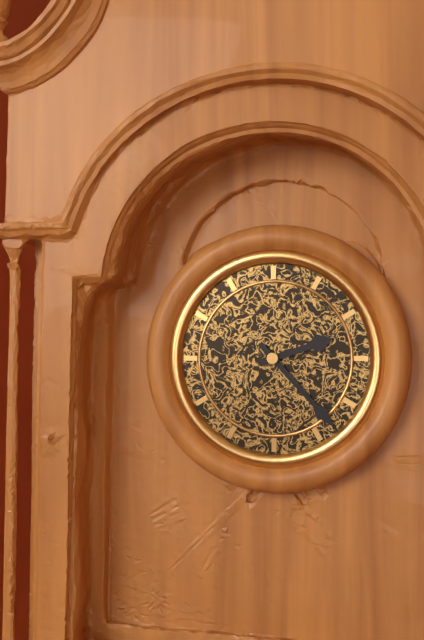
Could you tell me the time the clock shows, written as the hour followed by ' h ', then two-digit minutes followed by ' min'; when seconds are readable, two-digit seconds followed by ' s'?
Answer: 2 h 23 min
